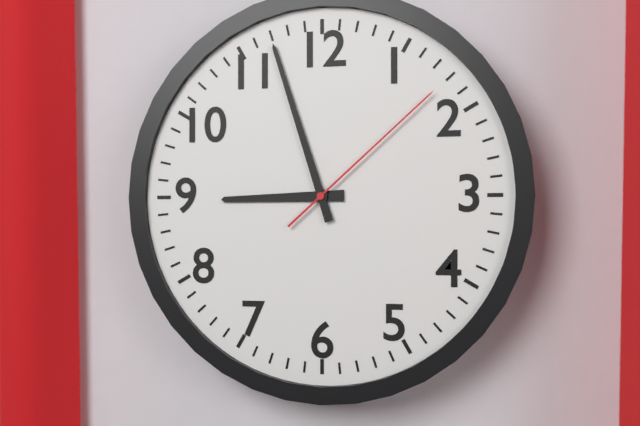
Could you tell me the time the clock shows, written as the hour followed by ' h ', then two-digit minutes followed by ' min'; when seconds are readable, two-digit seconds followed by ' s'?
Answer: 8 h 57 min 08 s
